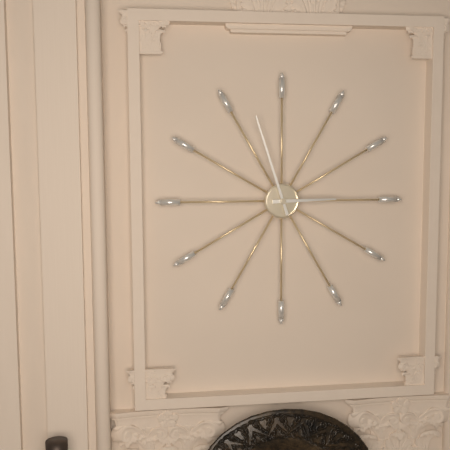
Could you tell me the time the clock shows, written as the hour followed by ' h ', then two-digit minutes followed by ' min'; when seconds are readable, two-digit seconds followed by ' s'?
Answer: 2 h 57 min
